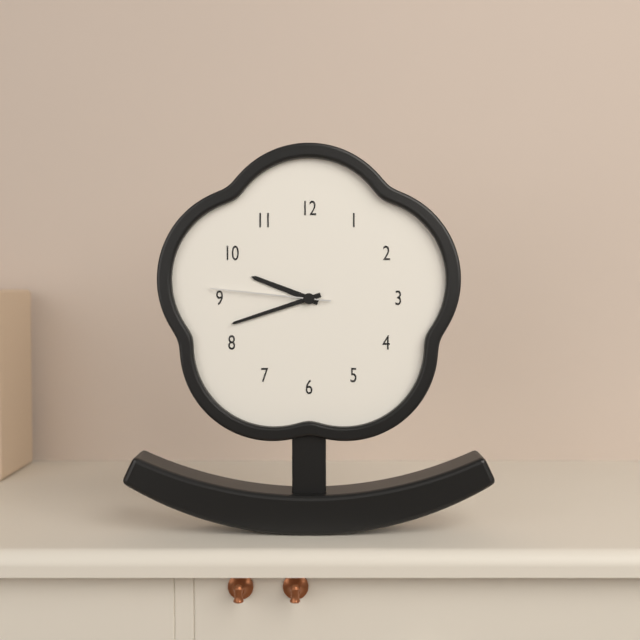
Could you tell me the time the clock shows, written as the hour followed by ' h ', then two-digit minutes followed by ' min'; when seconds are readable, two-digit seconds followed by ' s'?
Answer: 9 h 42 min 46 s
